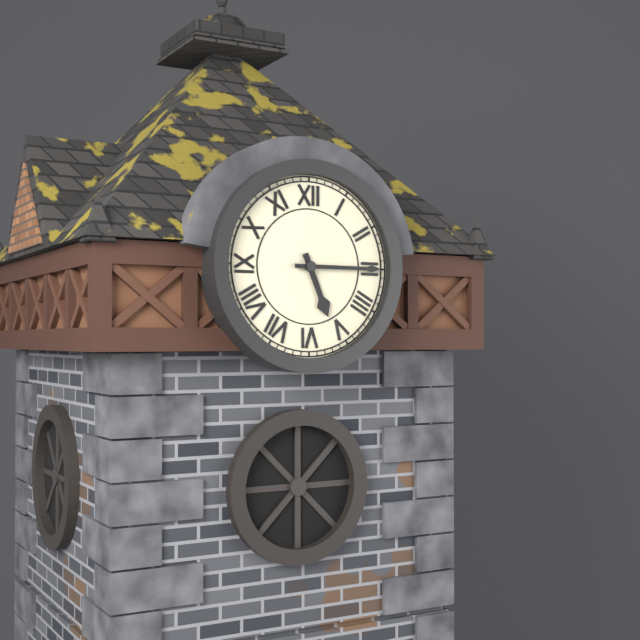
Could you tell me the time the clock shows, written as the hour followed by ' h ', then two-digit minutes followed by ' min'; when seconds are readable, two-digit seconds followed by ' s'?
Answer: 5 h 15 min
